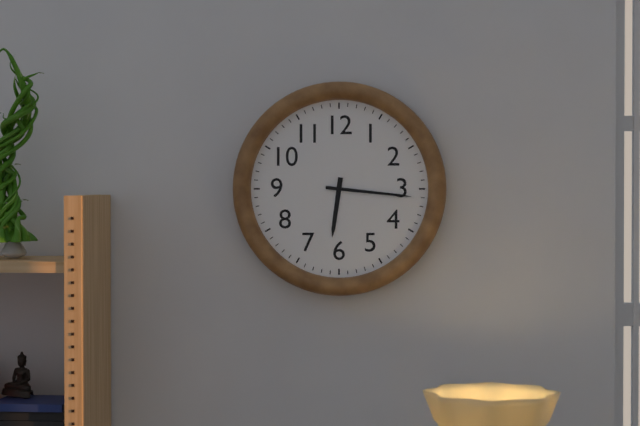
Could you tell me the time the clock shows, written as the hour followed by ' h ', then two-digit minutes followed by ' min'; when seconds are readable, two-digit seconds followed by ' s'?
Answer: 6 h 16 min
